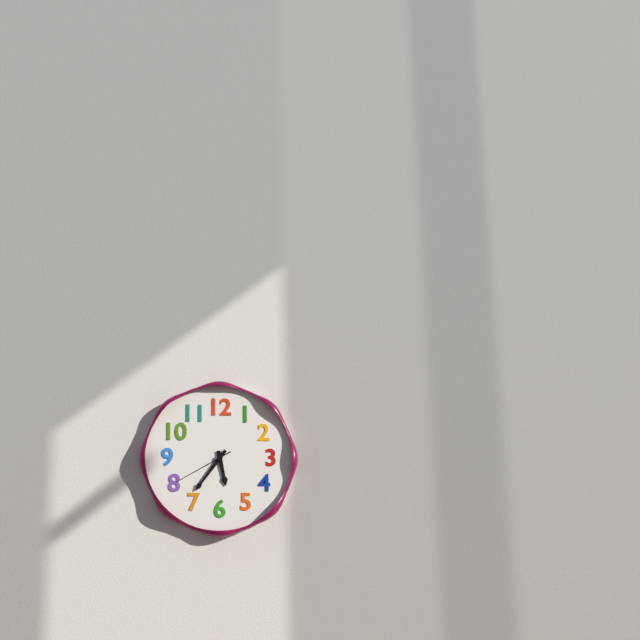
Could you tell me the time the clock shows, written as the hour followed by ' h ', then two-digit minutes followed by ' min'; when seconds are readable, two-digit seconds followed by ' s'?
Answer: 5 h 36 min 40 s
